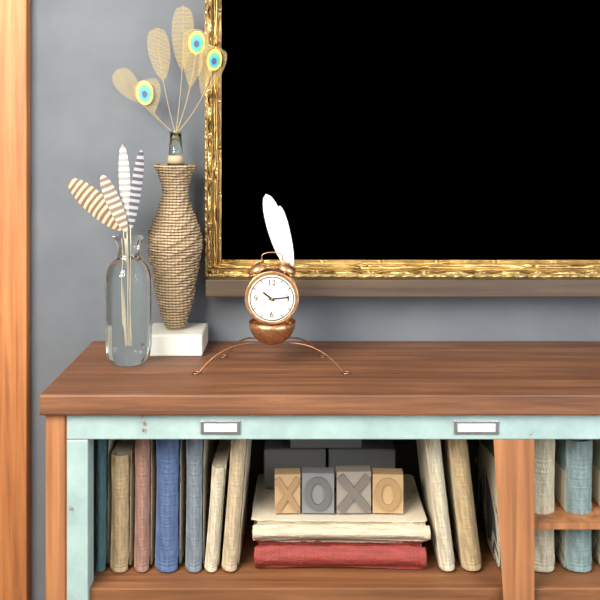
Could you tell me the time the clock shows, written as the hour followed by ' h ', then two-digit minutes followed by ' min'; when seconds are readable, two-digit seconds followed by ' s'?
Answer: 10 h 14 min
